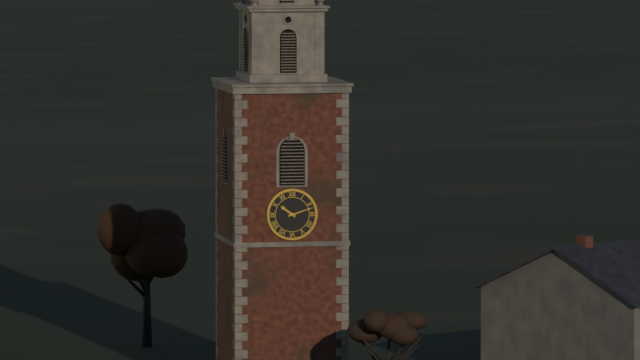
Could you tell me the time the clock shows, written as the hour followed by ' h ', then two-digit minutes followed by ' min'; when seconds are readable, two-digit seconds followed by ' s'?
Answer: 10 h 12 min
